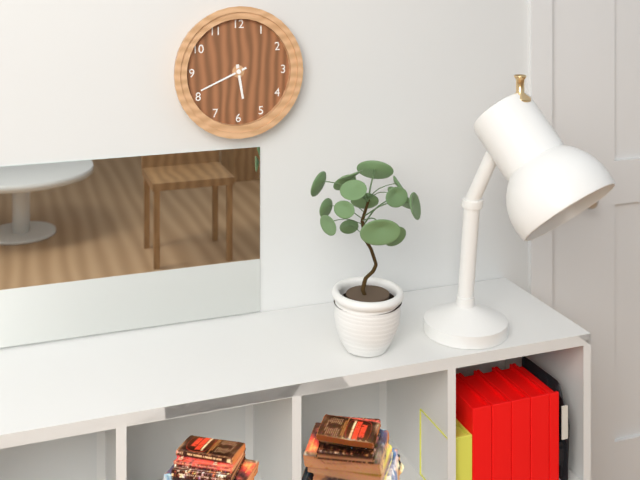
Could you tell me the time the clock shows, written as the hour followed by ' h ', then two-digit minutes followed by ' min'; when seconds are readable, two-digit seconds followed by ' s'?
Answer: 5 h 41 min
